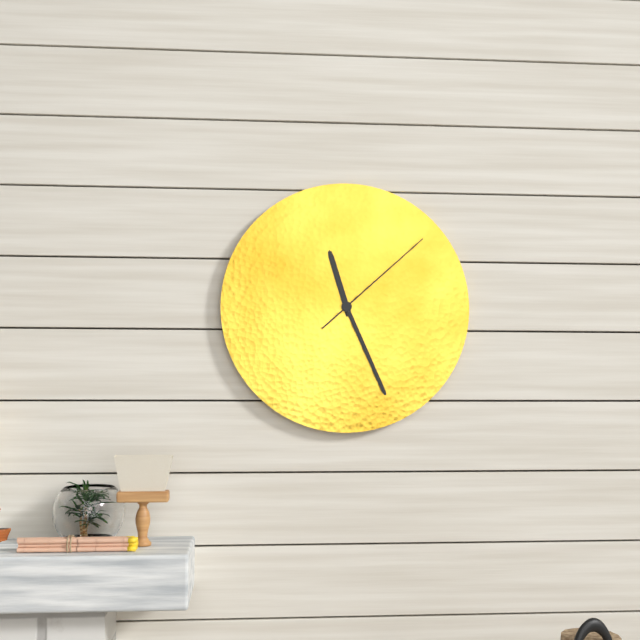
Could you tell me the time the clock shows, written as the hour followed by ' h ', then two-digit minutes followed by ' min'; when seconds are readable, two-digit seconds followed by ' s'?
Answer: 11 h 26 min 08 s
